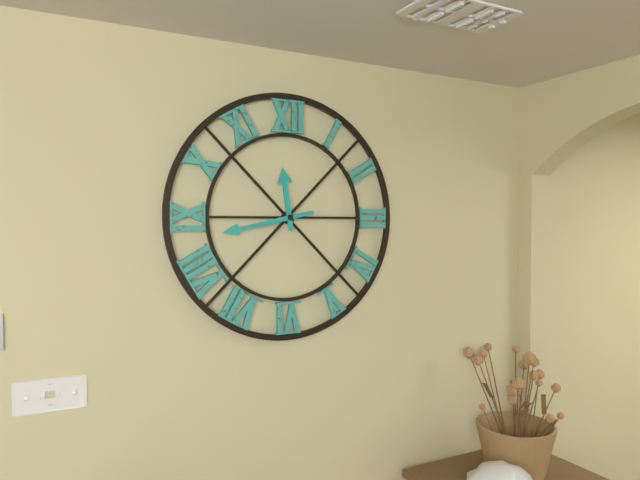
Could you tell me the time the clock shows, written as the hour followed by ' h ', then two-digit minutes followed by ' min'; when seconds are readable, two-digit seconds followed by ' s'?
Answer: 11 h 43 min
